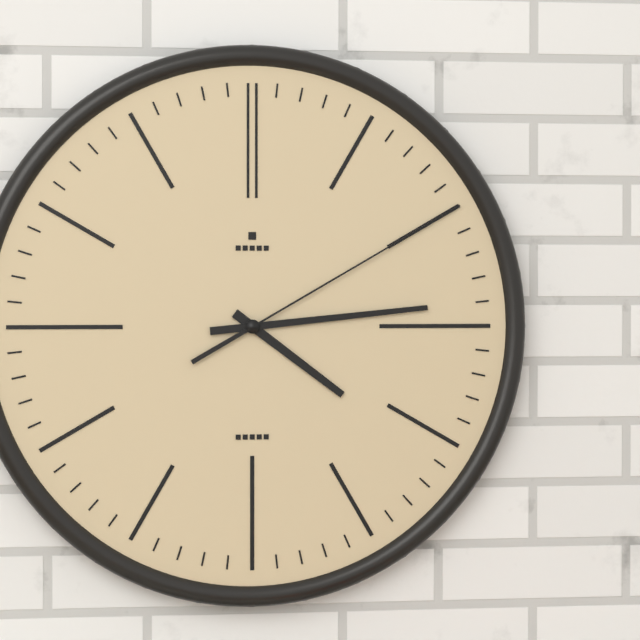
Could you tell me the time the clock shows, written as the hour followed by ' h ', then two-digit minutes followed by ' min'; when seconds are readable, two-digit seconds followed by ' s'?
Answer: 4 h 14 min 10 s
